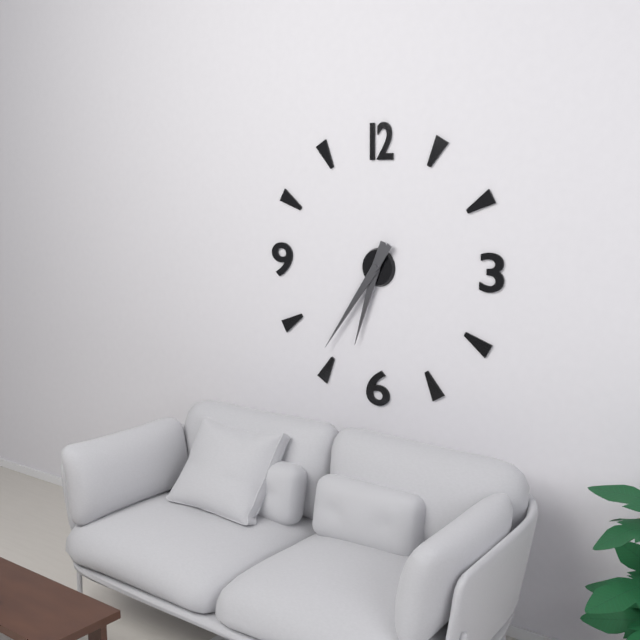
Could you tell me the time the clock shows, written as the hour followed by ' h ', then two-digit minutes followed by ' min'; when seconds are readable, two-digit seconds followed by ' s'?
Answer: 6 h 36 min
